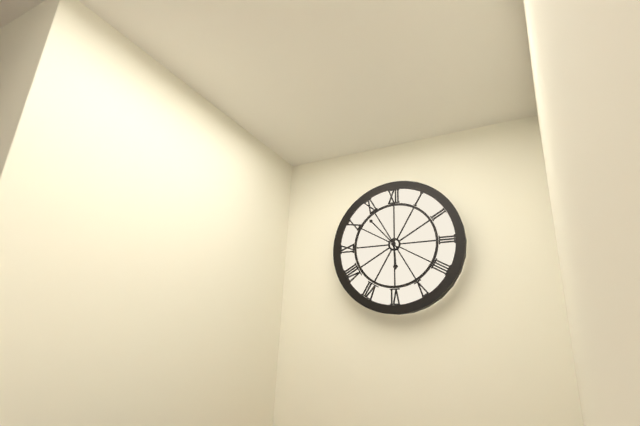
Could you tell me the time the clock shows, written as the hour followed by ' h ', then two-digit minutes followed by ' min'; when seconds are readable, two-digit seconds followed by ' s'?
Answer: 5 h 53 min
